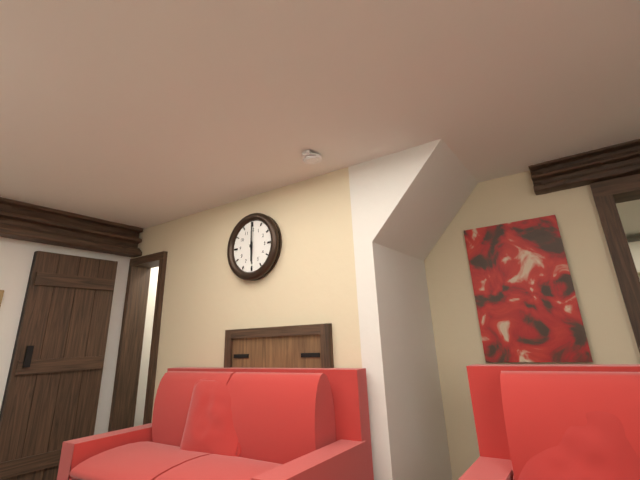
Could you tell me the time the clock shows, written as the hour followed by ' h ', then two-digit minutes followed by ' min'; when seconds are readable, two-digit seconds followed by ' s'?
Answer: 6 h 00 min
